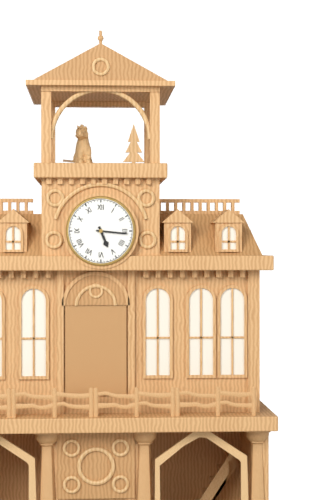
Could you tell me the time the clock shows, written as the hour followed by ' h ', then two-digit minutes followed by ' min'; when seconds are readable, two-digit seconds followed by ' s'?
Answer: 5 h 16 min
